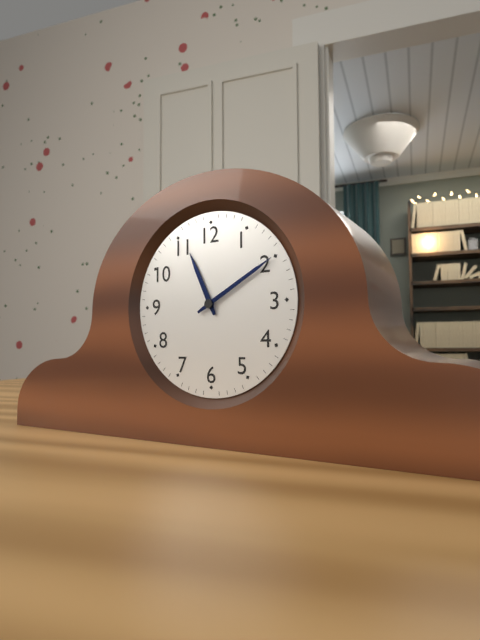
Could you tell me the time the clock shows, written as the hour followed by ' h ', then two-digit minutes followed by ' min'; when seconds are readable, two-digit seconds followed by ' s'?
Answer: 11 h 10 min
